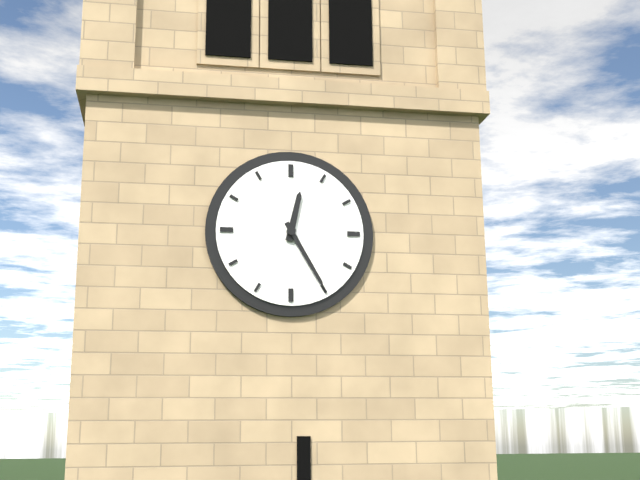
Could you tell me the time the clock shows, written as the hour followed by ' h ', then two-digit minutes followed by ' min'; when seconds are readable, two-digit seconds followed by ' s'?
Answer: 12 h 25 min
